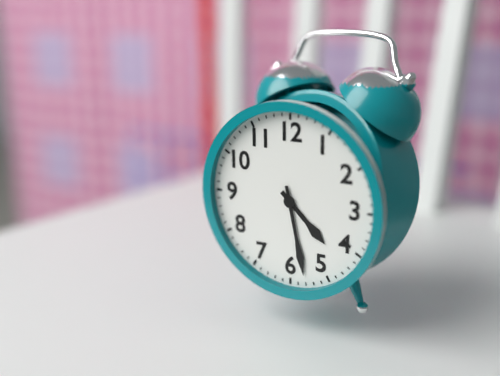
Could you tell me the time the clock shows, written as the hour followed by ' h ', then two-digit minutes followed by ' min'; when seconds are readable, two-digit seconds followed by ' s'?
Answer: 4 h 28 min
